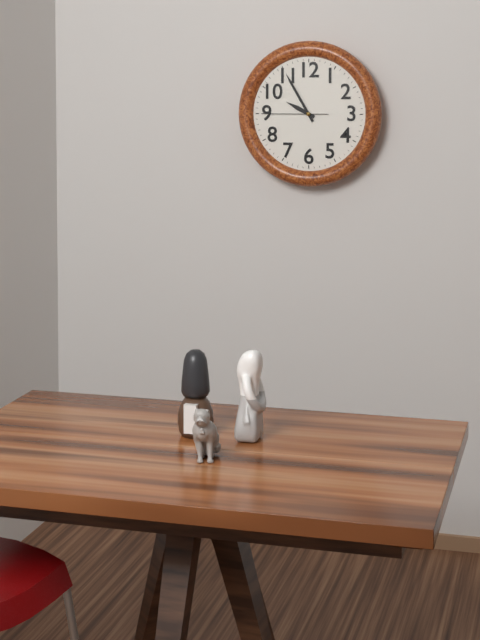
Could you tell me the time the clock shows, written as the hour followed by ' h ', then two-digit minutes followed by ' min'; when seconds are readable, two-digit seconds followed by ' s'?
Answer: 9 h 55 min 45 s
